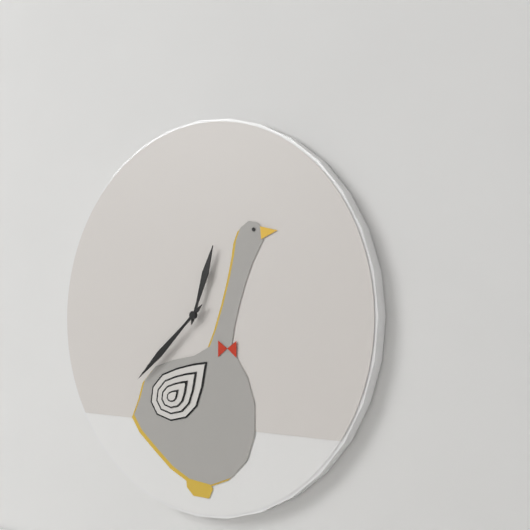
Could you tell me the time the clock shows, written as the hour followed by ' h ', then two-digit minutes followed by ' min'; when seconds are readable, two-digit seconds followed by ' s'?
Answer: 12 h 38 min
